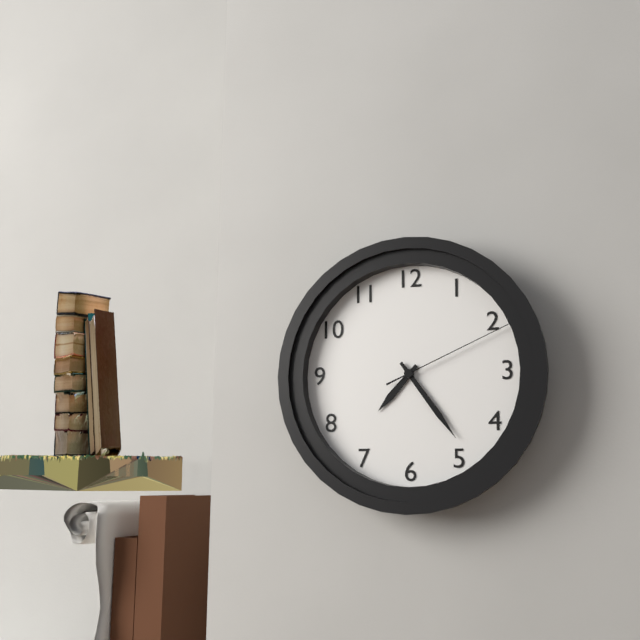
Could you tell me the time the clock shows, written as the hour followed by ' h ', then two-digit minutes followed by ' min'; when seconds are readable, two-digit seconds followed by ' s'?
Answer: 7 h 24 min 11 s
